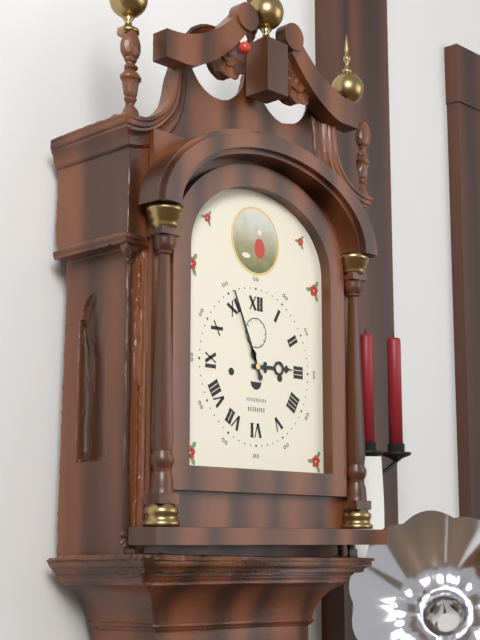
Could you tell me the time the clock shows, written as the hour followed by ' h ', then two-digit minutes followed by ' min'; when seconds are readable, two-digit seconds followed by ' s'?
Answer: 2 h 56 min
